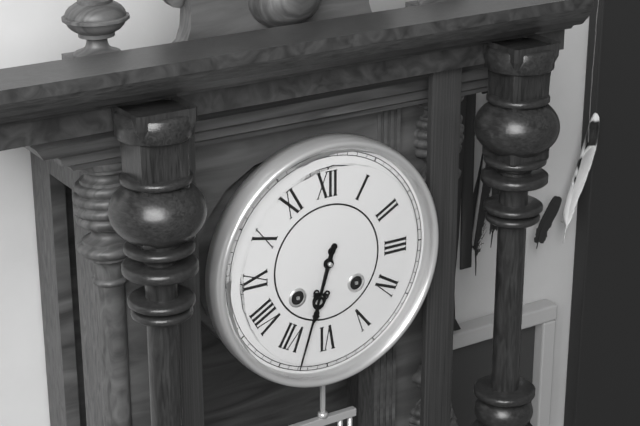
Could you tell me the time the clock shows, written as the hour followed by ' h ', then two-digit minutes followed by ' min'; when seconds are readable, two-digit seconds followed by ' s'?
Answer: 6 h 33 min
